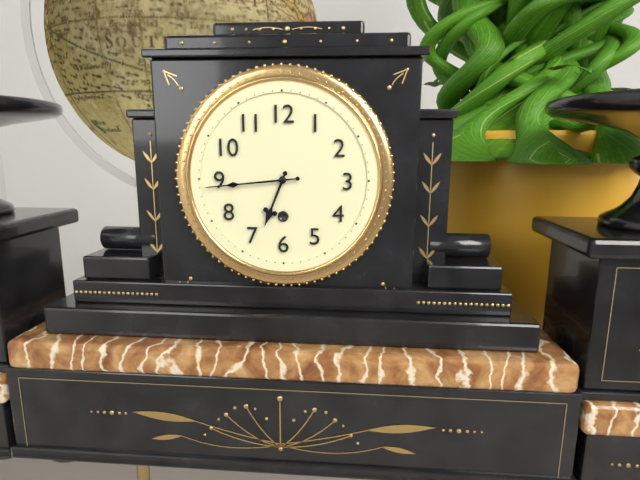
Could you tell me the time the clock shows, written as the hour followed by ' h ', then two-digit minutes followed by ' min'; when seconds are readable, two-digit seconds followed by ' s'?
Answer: 6 h 44 min
